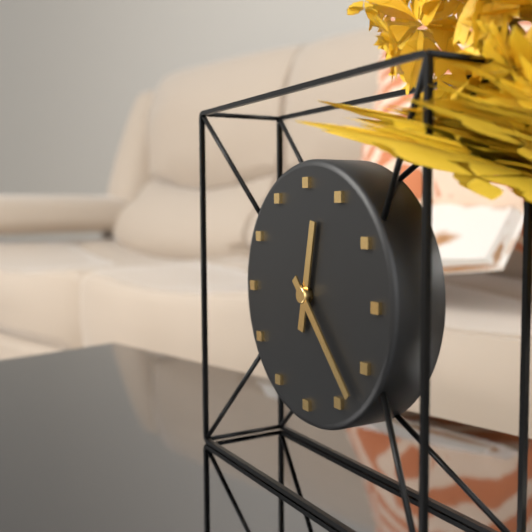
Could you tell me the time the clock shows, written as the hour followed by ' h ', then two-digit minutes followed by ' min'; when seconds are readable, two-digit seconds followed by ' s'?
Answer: 12 h 23 min
